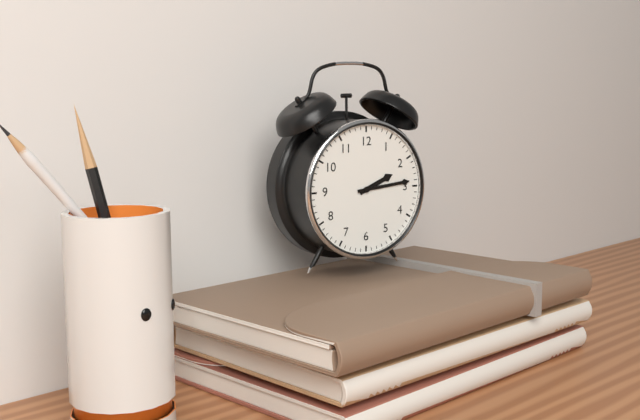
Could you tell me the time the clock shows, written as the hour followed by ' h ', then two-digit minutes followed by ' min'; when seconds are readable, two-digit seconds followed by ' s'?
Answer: 2 h 14 min
